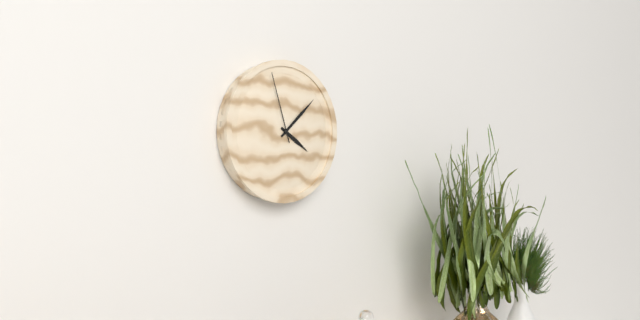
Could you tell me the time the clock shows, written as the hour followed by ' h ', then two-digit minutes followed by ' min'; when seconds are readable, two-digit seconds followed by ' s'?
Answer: 4 h 08 min 57 s
